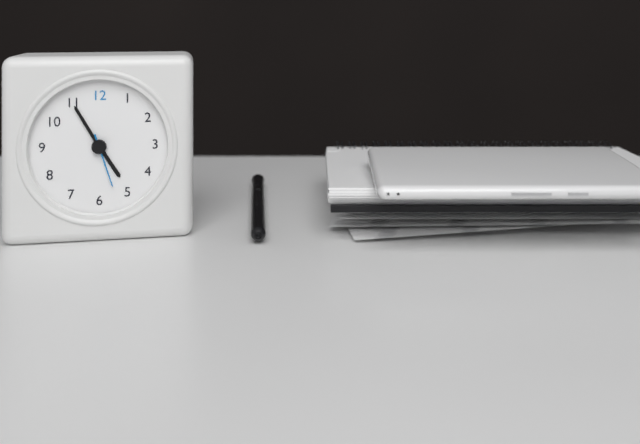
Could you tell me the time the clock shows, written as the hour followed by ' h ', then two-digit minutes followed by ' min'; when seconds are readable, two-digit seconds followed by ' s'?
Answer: 4 h 55 min 27 s
